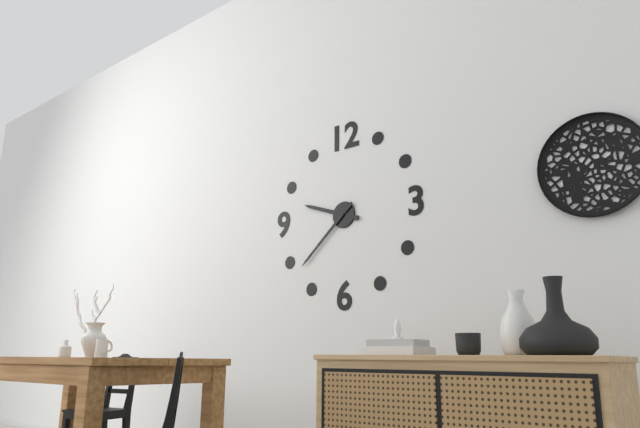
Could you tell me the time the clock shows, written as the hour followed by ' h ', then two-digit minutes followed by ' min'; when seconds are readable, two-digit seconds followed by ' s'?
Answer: 9 h 38 min
